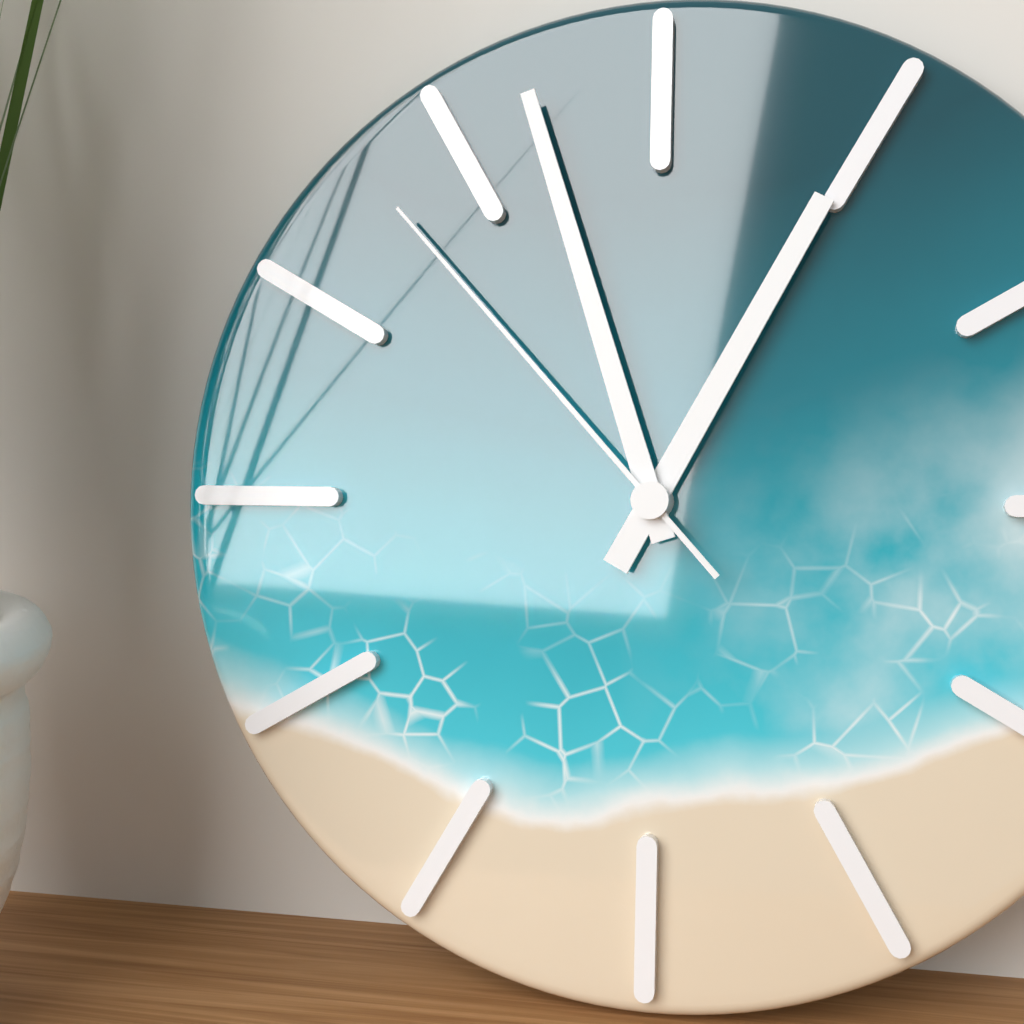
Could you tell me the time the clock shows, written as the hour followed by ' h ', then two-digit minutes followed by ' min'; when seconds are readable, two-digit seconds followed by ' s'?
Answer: 12 h 57 min 53 s
